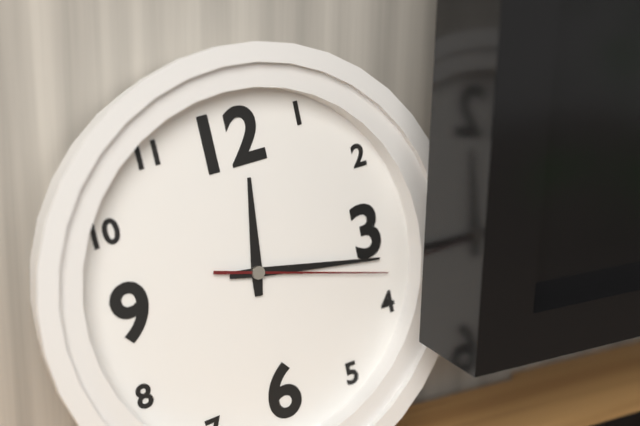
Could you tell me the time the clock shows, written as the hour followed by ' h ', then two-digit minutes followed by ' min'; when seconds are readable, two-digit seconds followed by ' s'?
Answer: 12 h 17 min 18 s
